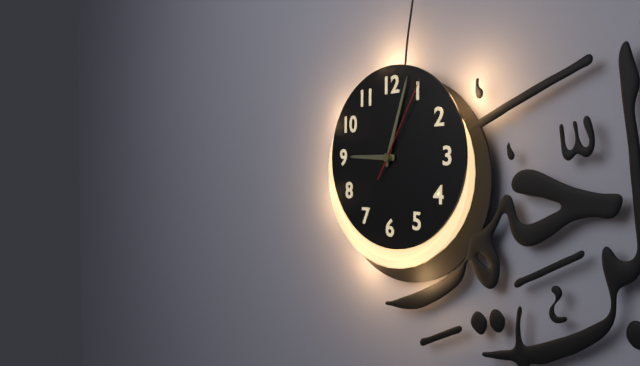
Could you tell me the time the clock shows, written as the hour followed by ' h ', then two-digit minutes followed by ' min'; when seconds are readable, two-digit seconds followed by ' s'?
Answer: 9 h 03 min 05 s
